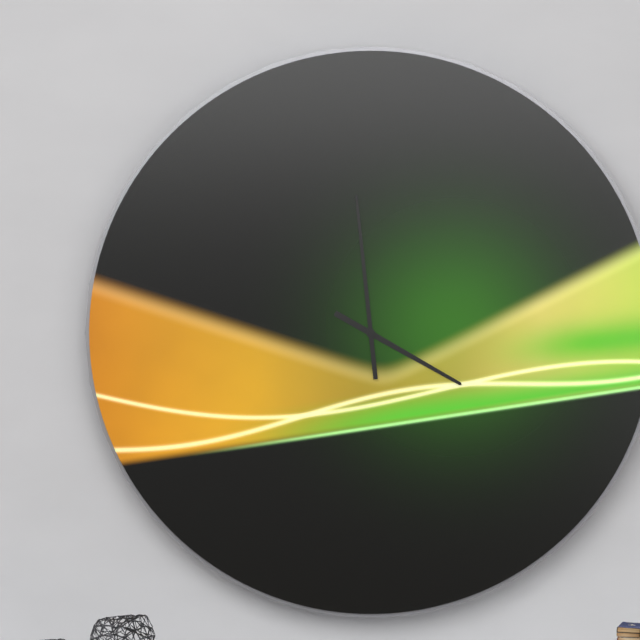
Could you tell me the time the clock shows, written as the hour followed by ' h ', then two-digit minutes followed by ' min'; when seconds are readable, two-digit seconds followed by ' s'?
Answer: 3 h 59 min
